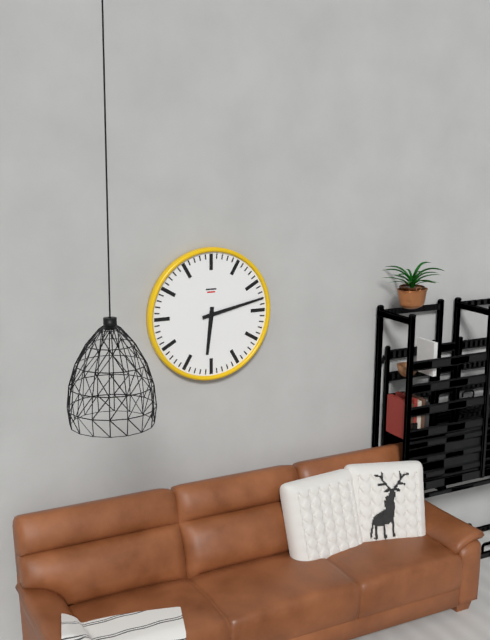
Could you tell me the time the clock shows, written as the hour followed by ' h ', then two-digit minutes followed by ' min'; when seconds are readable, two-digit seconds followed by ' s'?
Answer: 6 h 13 min
